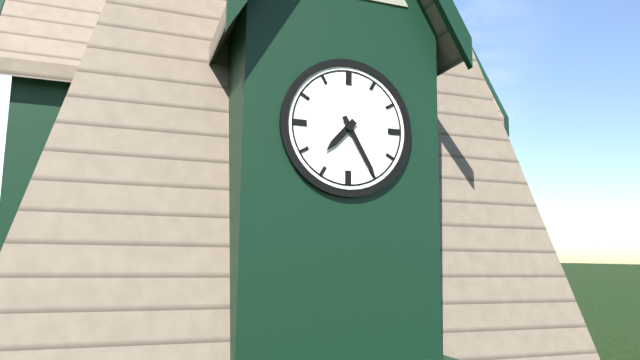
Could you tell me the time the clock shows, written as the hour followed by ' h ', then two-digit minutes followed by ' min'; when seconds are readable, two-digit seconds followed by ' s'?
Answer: 7 h 25 min
